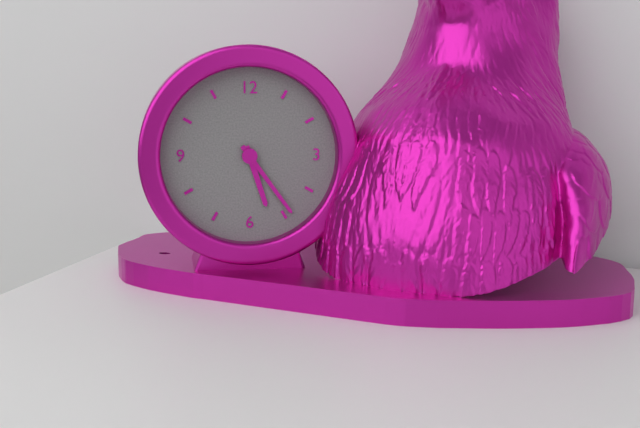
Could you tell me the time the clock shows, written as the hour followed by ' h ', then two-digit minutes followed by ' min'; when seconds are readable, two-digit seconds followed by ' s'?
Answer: 5 h 24 min
